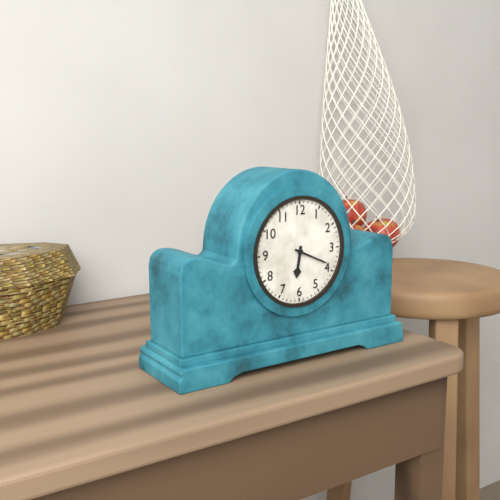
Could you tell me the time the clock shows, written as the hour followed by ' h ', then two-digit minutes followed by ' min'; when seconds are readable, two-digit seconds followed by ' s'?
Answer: 6 h 19 min
